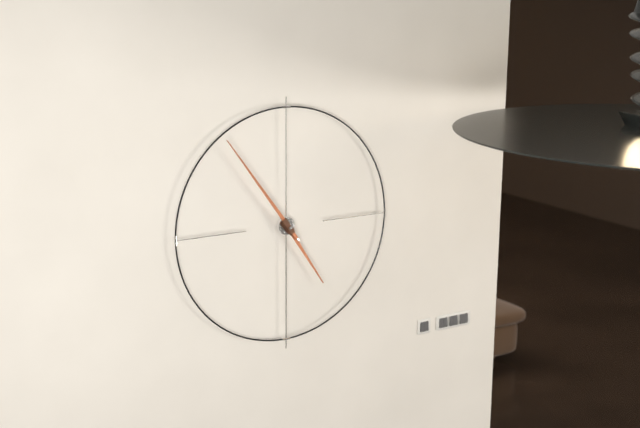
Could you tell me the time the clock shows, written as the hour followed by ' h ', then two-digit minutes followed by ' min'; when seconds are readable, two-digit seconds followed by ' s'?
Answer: 4 h 54 min
